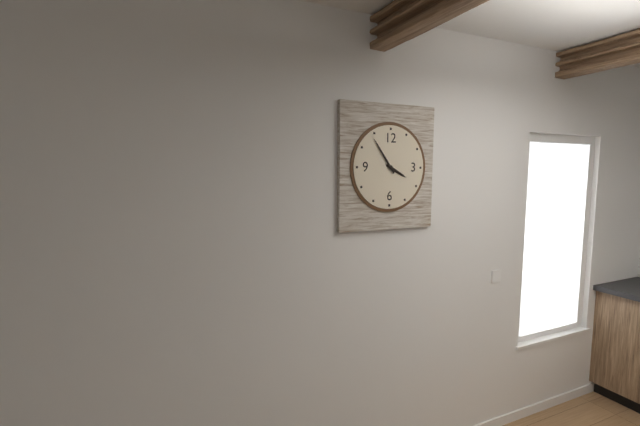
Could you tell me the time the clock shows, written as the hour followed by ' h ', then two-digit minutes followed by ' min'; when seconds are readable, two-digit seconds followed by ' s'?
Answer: 3 h 54 min
